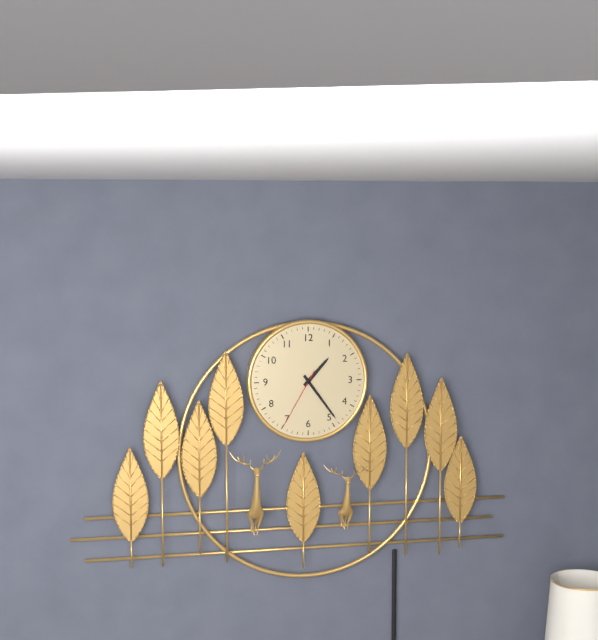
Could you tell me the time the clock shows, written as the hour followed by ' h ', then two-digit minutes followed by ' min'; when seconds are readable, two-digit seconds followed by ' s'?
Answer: 1 h 24 min 35 s
